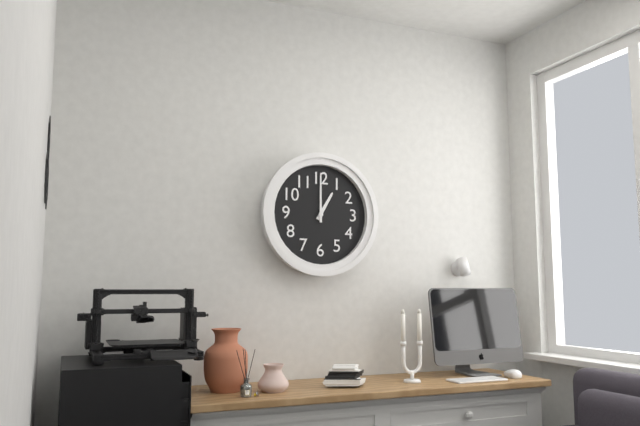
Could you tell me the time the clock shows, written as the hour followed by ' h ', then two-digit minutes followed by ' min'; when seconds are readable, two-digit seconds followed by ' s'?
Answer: 1 h 00 min
